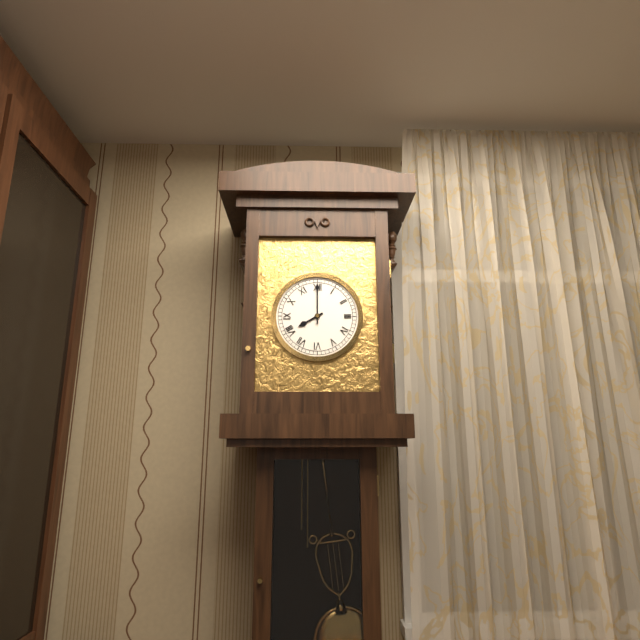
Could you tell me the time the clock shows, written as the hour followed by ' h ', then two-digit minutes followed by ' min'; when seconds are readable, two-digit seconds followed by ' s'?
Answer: 8 h 00 min
